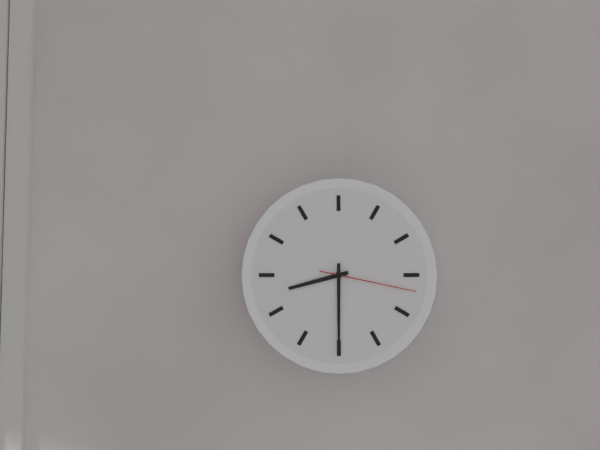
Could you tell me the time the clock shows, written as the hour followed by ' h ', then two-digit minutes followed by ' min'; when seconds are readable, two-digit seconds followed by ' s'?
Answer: 8 h 30 min 17 s
